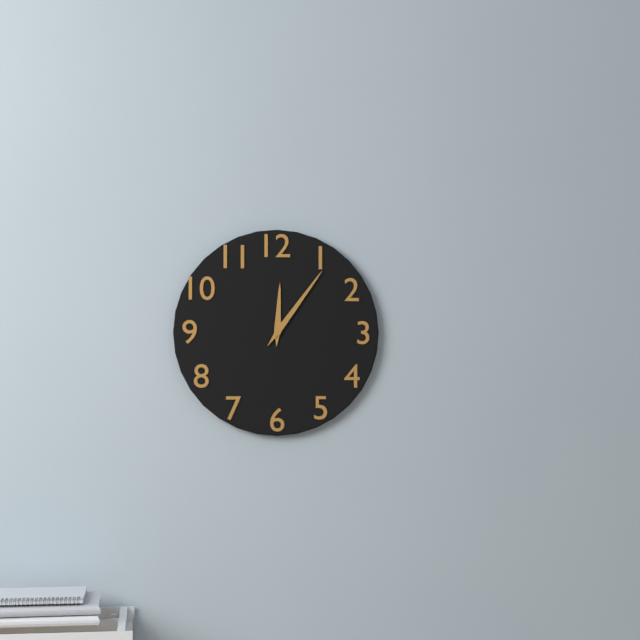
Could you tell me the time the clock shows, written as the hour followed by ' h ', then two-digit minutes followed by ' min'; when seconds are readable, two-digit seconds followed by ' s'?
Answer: 12 h 06 min
